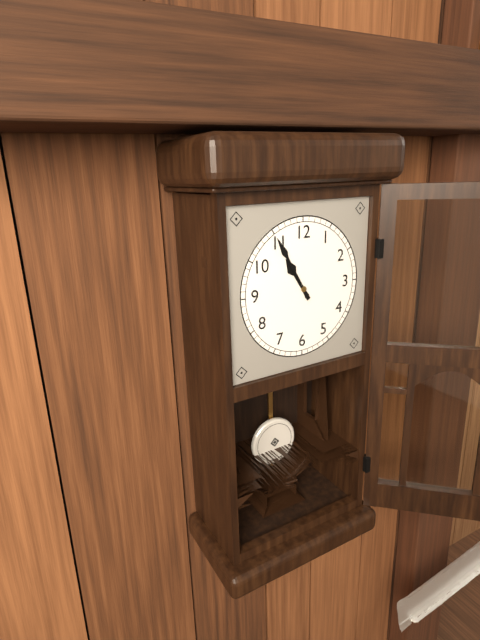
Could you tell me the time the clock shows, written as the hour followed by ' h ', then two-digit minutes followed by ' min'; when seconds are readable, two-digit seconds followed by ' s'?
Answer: 10 h 55 min
